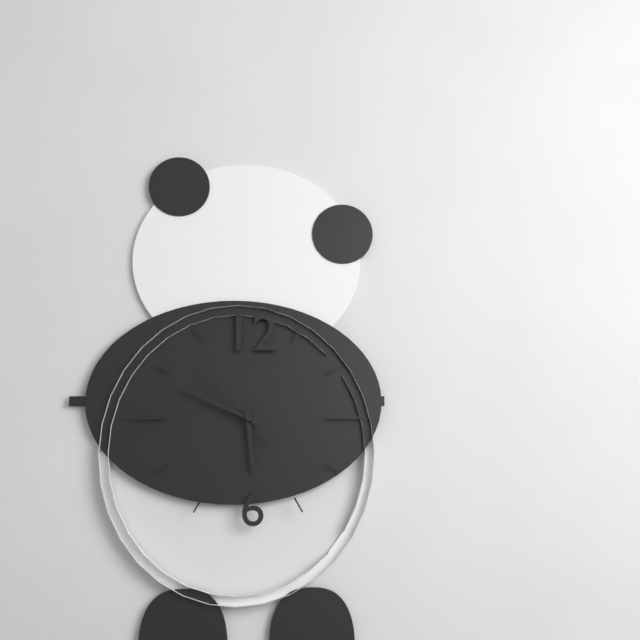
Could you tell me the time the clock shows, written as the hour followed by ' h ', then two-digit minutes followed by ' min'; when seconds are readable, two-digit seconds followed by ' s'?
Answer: 5 h 49 min 53 s
